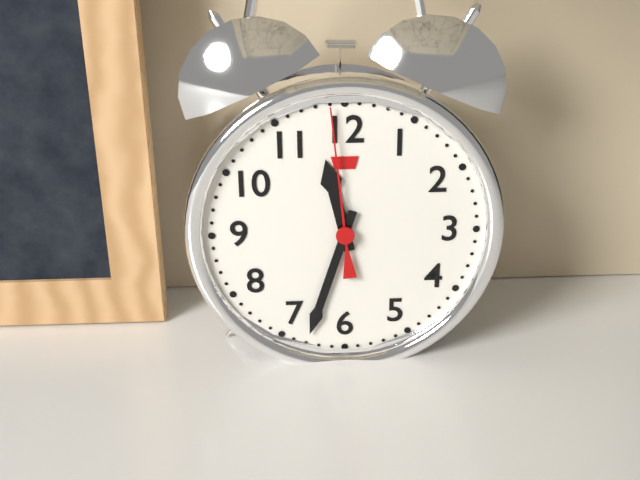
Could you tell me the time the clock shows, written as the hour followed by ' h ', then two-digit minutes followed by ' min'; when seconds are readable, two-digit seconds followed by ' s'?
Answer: 11 h 33 min 59 s
